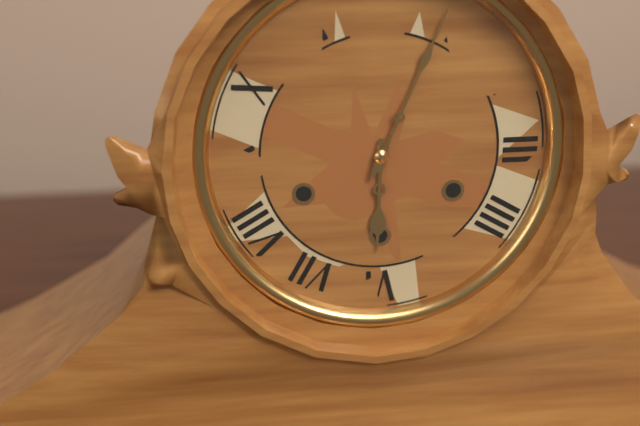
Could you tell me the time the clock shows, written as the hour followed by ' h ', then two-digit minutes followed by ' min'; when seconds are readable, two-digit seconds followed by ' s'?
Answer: 6 h 04 min
